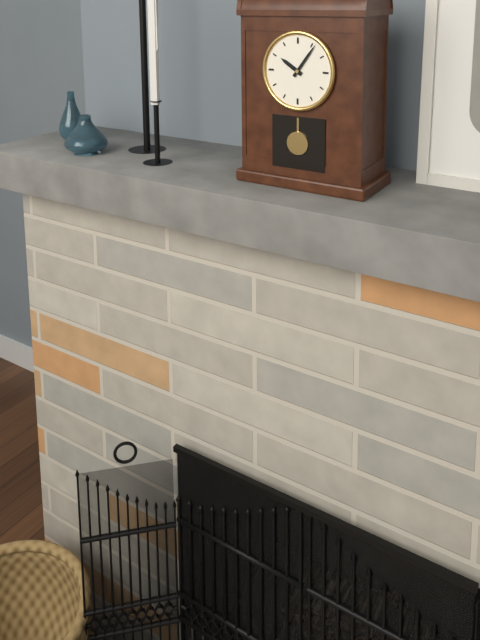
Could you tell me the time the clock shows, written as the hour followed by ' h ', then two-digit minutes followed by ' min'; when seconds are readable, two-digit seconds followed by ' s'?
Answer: 10 h 06 min
